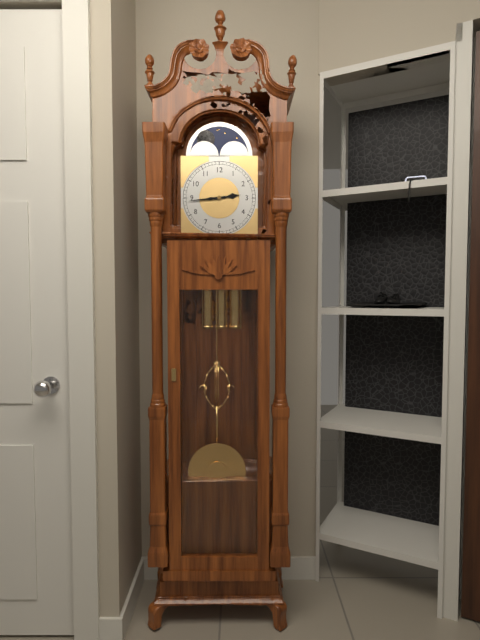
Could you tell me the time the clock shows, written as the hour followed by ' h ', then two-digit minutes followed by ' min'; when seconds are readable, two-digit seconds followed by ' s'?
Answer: 2 h 44 min
